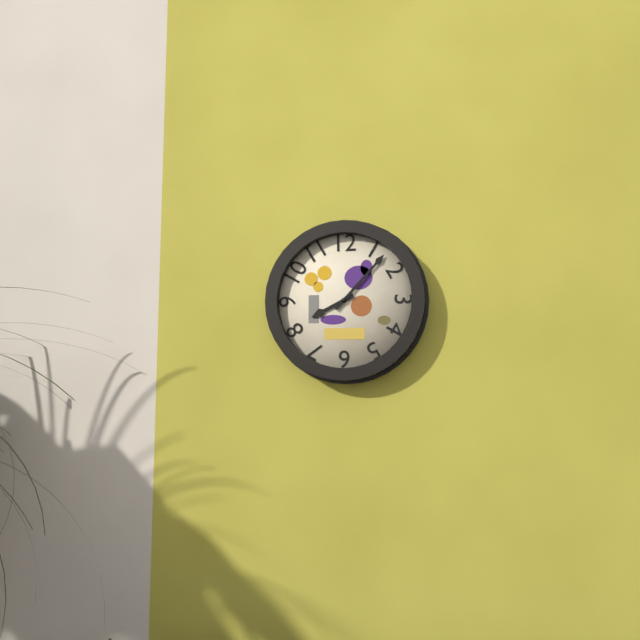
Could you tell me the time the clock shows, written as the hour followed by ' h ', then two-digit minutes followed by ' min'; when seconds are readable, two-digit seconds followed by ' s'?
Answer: 8 h 07 min
